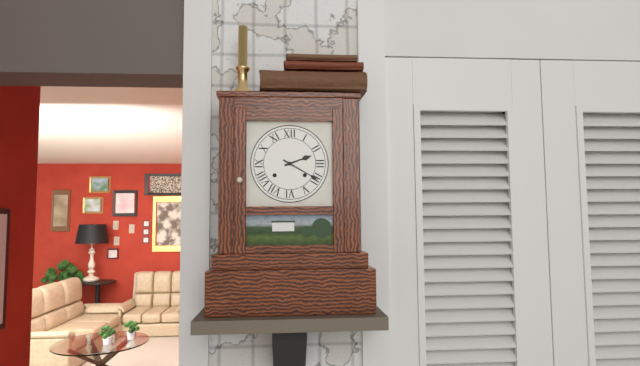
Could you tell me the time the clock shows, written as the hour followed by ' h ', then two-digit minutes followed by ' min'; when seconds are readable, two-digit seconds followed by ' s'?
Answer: 2 h 20 min
